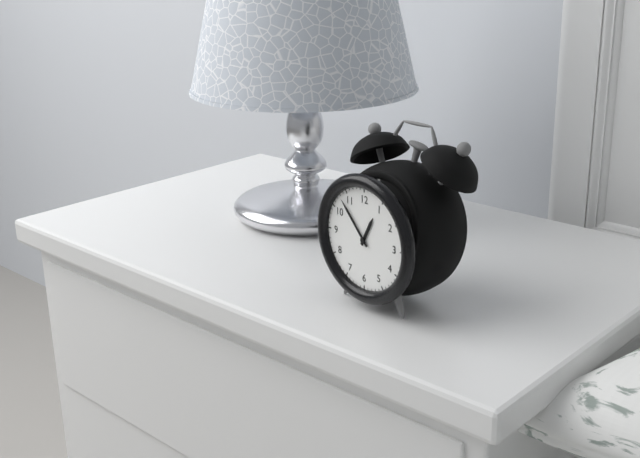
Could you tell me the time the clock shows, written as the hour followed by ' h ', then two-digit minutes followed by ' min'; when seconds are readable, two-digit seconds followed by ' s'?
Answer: 12 h 53 min
